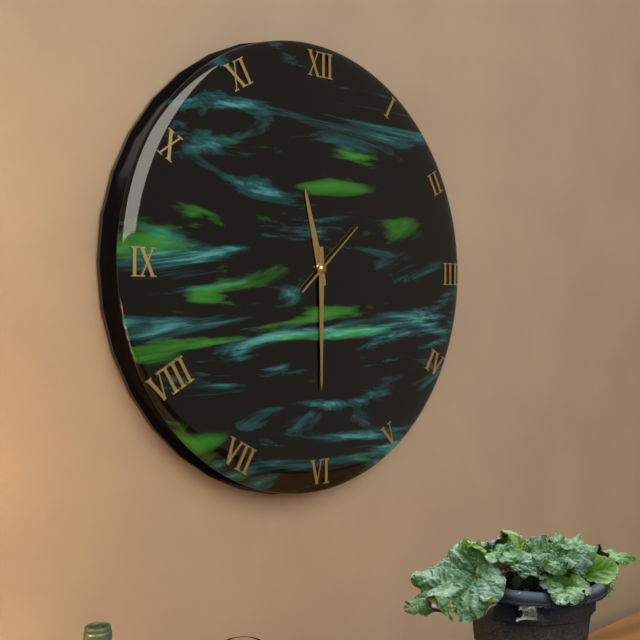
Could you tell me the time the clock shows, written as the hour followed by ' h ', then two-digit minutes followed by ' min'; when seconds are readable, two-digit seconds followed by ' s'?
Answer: 11 h 30 min 08 s
